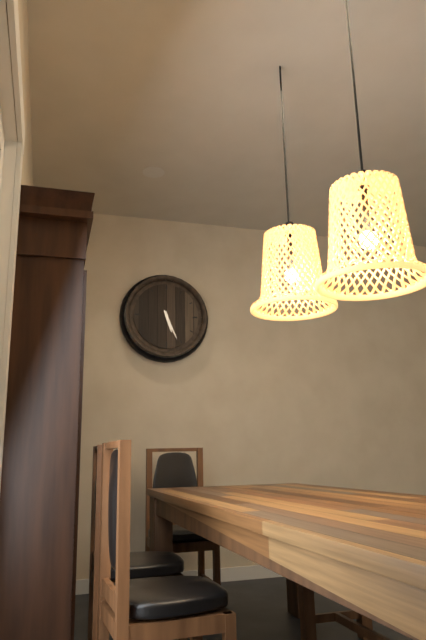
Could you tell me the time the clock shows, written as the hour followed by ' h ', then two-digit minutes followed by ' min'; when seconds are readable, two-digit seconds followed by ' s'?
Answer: 5 h 26 min
